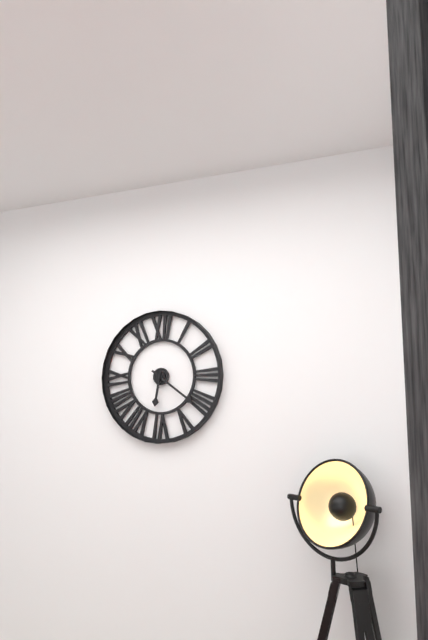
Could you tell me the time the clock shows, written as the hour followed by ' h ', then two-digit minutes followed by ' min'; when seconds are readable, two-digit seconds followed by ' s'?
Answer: 6 h 21 min
